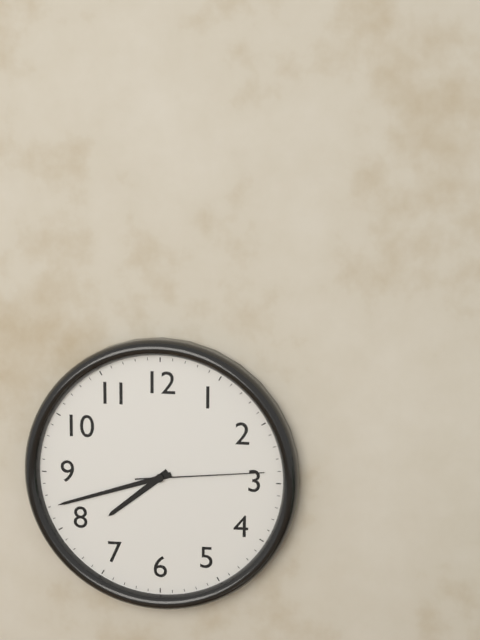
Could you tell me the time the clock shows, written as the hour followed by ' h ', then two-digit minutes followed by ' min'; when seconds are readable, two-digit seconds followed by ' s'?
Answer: 7 h 42 min 14 s
